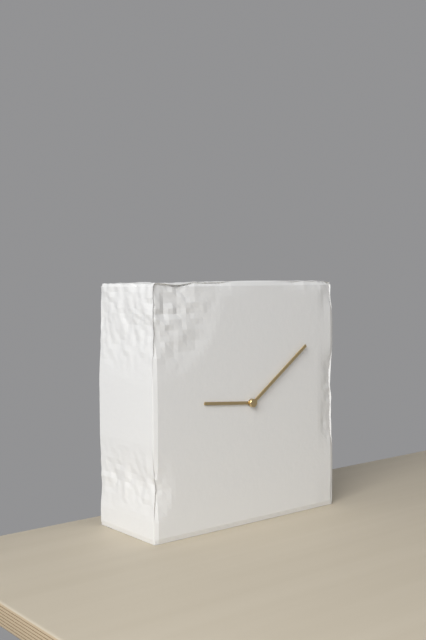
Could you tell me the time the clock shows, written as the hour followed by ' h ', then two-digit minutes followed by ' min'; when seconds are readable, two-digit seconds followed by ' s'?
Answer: 9 h 09 min
